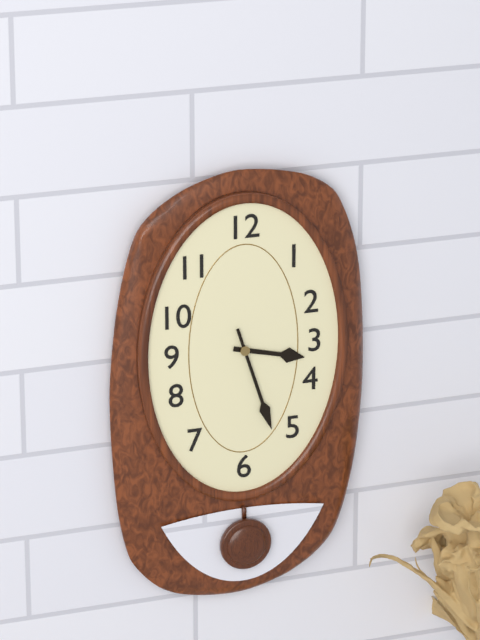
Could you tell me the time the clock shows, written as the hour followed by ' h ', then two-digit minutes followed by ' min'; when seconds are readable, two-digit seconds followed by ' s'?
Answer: 3 h 27 min
